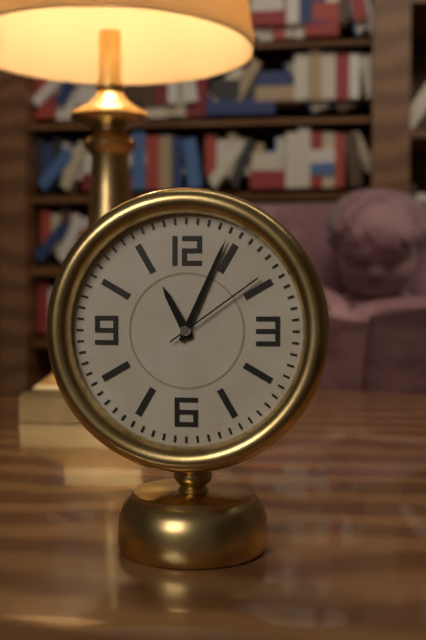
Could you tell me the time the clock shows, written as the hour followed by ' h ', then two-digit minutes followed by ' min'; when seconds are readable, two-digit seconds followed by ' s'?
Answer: 11 h 04 min 09 s
